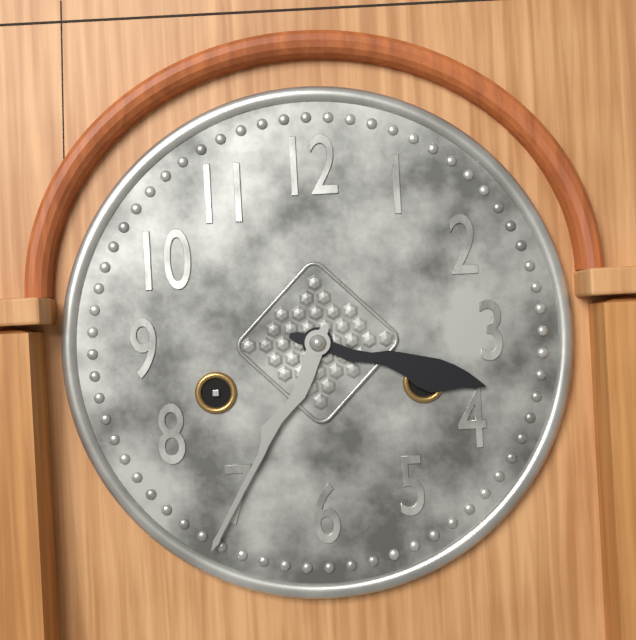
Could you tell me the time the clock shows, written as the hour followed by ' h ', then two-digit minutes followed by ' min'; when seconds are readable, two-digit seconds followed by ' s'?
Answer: 3 h 35 min
